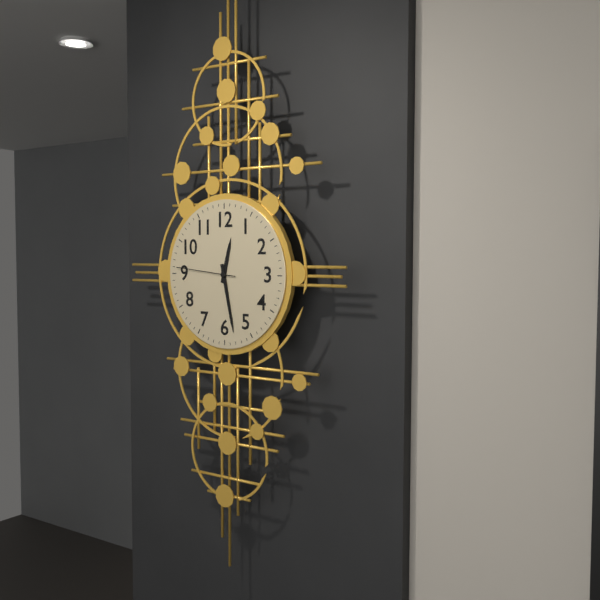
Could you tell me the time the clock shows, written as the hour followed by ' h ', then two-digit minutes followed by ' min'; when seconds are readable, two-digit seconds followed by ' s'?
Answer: 12 h 28 min 46 s
